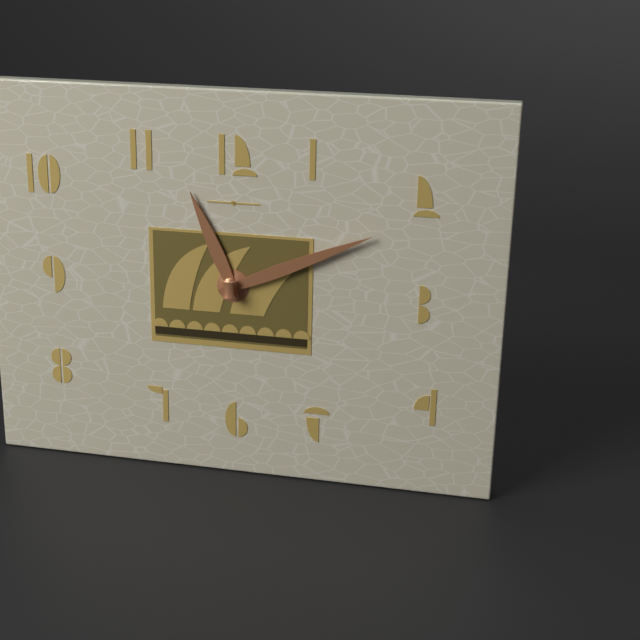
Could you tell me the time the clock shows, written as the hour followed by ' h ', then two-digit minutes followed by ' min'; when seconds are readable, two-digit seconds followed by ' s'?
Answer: 11 h 11 min
